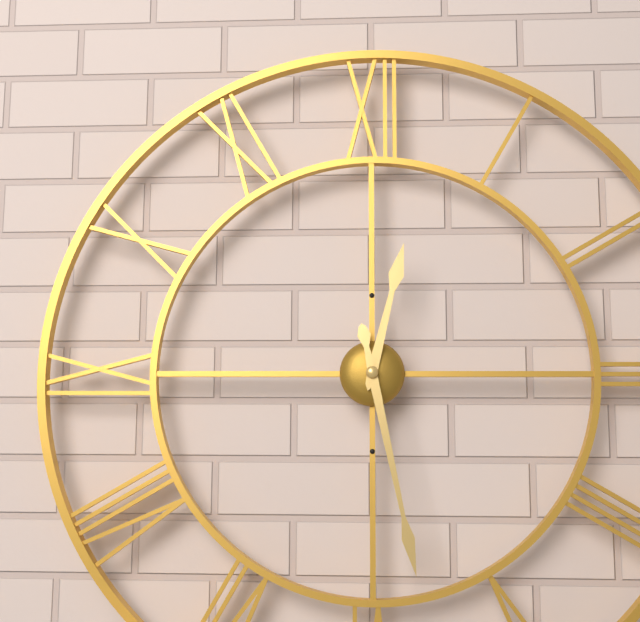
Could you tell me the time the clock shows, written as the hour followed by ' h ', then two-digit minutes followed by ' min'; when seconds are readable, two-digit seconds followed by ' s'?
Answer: 12 h 28 min
